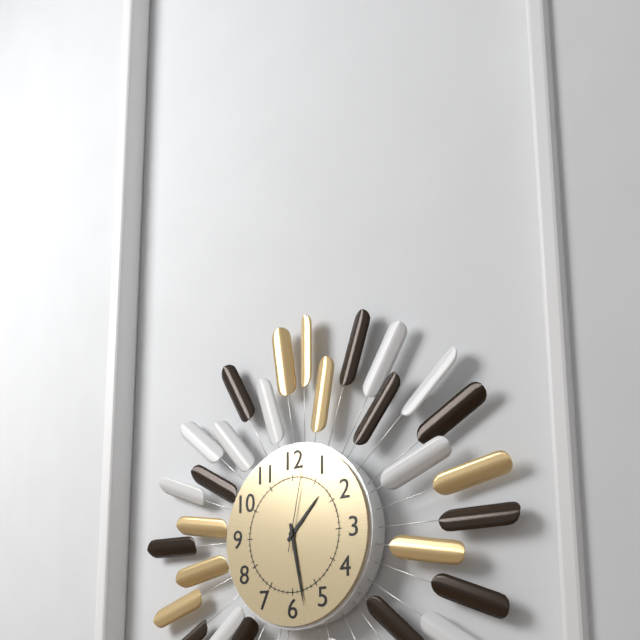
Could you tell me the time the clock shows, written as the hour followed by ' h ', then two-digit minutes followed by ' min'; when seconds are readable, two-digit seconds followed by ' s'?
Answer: 1 h 28 min 02 s
